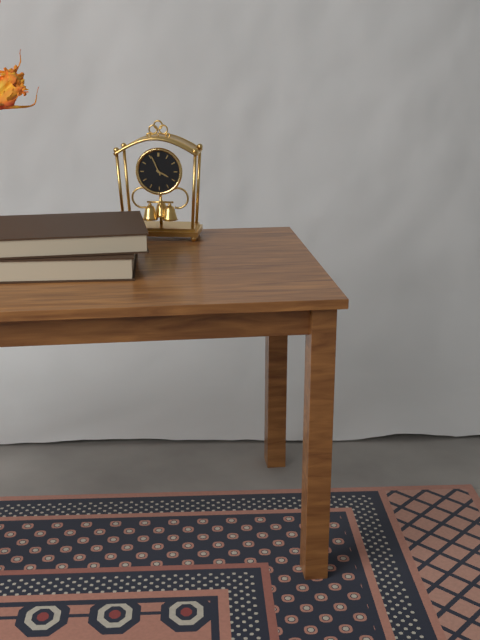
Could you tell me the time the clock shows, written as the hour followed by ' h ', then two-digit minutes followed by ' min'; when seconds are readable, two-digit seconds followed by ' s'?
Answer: 3 h 56 min
